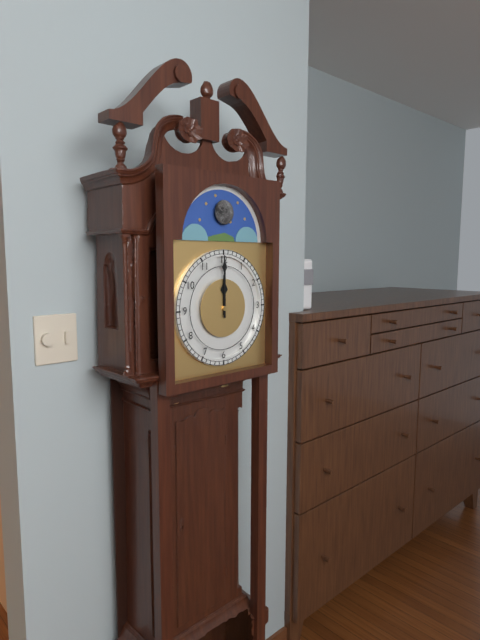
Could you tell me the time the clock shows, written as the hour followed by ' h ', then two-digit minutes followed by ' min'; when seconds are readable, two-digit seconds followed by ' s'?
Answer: 12 h 00 min
